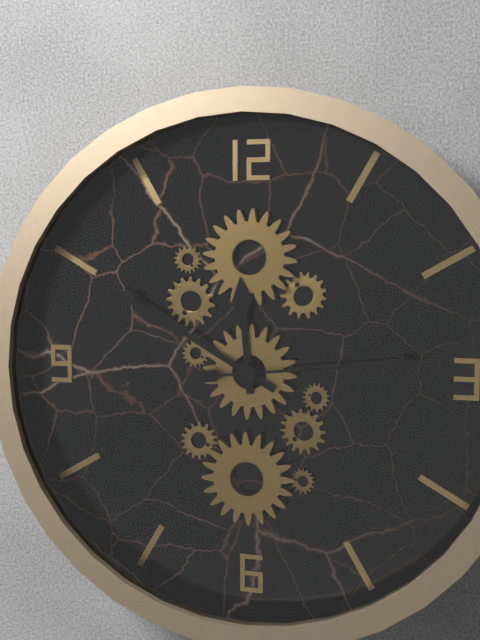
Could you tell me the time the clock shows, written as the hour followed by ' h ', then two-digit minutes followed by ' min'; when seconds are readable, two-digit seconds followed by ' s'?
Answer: 11 h 50 min 14 s
